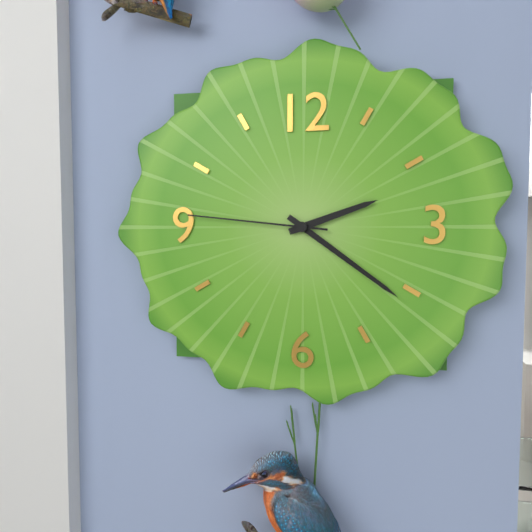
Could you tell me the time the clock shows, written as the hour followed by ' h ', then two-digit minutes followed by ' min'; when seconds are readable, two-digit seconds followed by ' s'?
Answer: 2 h 21 min 46 s
